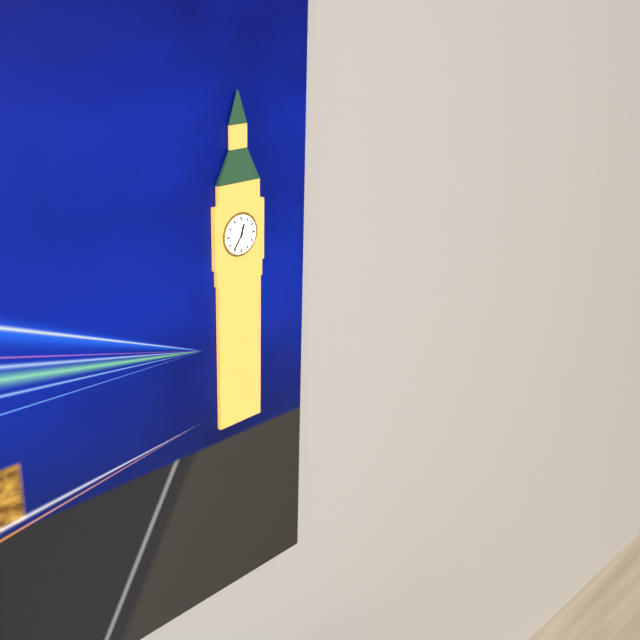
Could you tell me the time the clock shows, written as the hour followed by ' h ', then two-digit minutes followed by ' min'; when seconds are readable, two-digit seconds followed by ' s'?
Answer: 12 h 36 min
